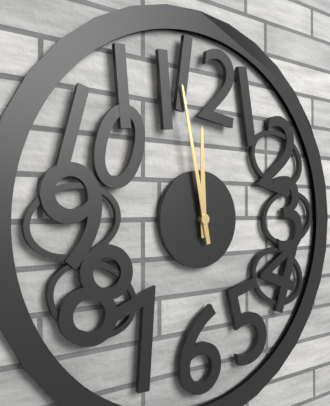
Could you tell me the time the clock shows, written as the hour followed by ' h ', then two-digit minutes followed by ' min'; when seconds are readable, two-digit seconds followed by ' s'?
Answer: 11 h 58 min
